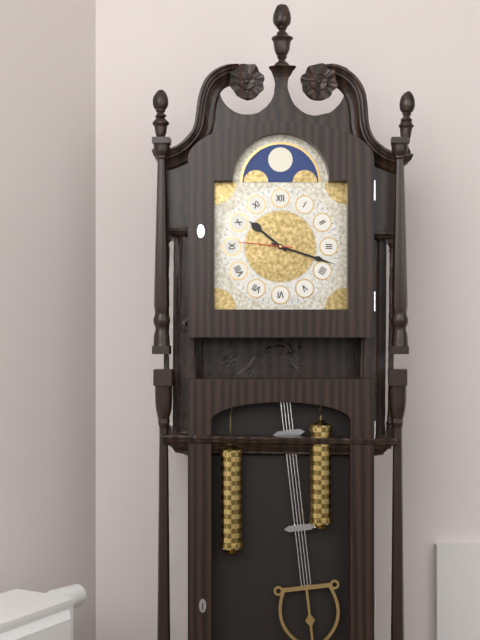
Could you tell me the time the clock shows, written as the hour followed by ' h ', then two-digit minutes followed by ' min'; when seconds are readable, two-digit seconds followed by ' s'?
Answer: 10 h 18 min 46 s
